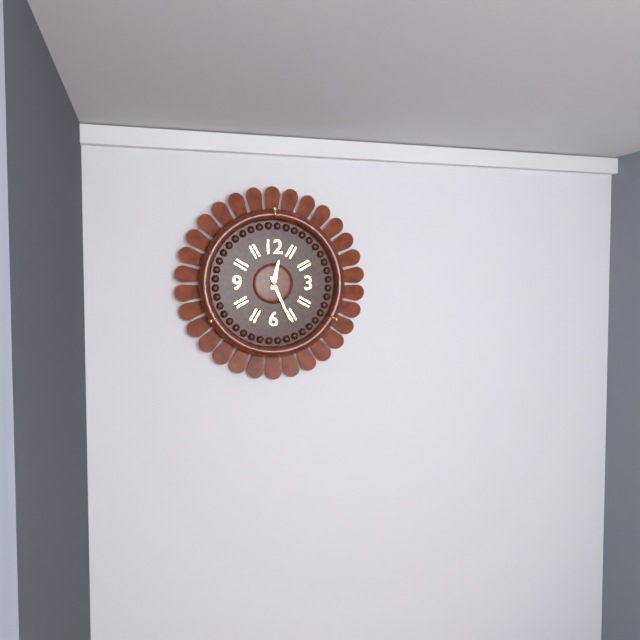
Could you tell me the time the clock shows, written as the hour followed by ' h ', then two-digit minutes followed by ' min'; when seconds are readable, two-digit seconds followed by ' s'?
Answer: 12 h 26 min
